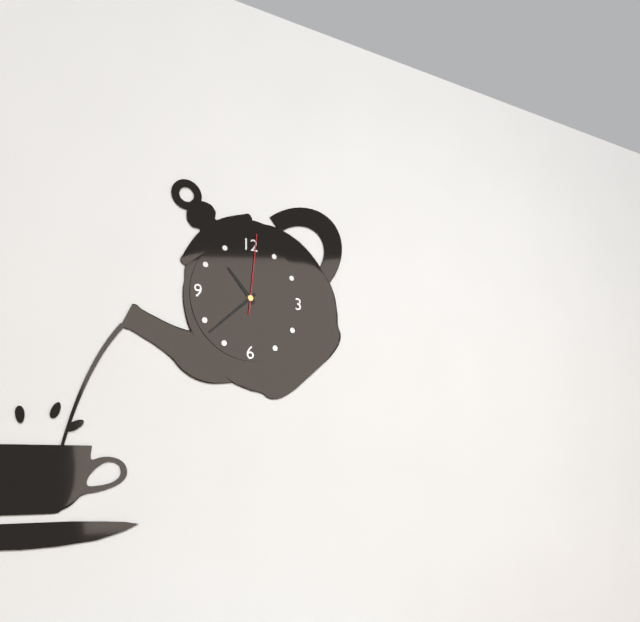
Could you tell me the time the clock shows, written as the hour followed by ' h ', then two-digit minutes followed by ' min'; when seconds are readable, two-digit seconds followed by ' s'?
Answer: 10 h 38 min 01 s
